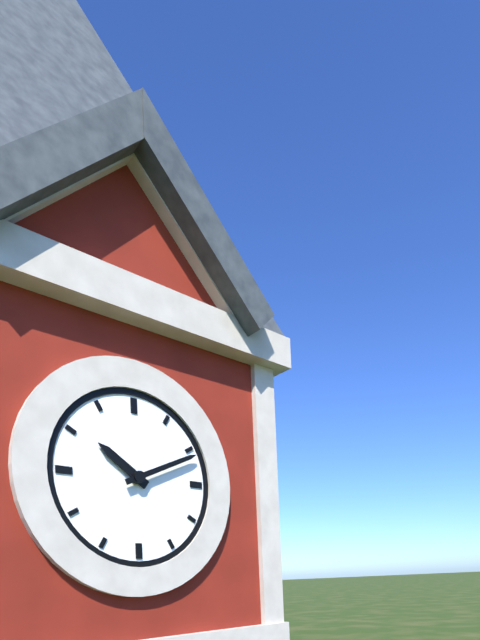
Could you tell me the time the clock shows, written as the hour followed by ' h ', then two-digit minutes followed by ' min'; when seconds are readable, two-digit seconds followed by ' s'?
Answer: 10 h 11 min
